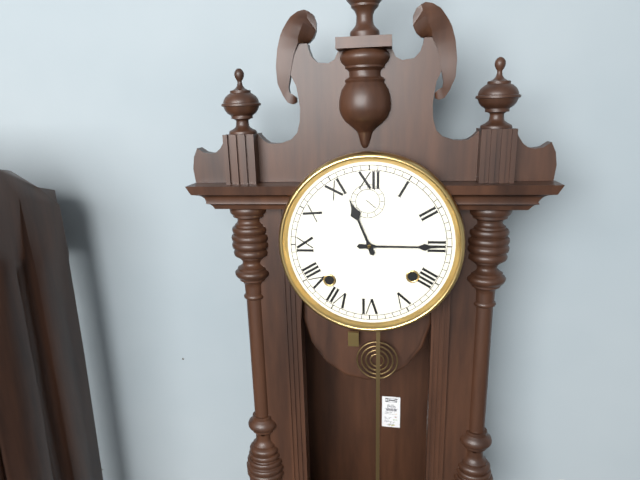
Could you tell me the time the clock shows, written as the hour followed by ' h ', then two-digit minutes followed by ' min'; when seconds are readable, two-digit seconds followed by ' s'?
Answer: 11 h 15 min
